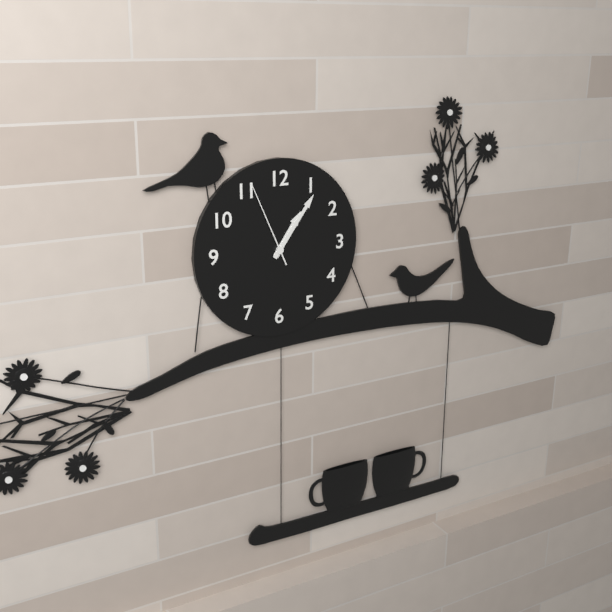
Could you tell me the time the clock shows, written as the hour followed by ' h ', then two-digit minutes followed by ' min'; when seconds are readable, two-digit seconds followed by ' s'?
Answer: 1 h 06 min 56 s
